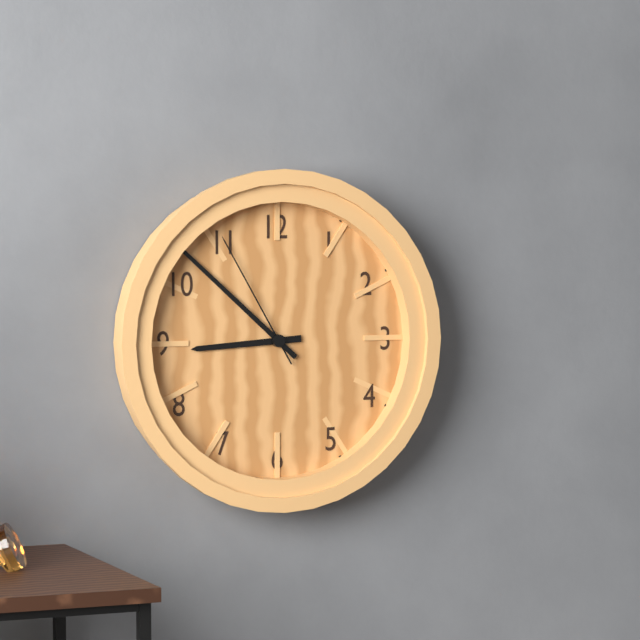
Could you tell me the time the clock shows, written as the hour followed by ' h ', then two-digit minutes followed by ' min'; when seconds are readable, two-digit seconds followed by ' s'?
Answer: 8 h 52 min 55 s
